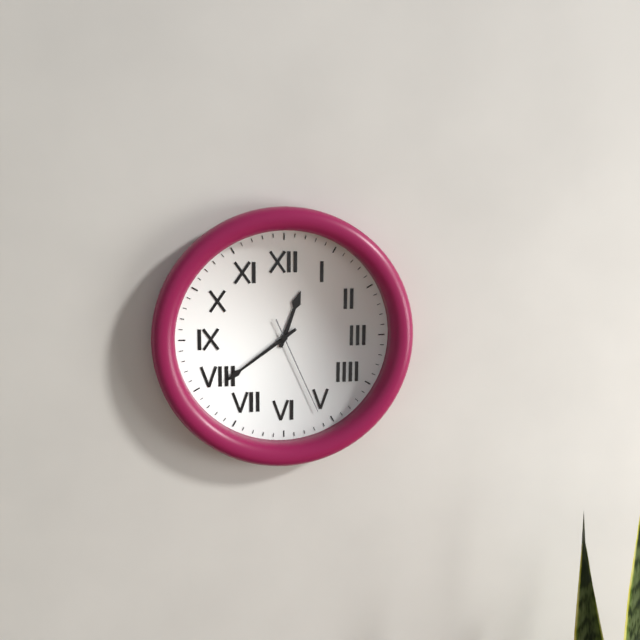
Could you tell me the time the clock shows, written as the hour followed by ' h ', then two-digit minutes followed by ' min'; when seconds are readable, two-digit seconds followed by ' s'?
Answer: 12 h 39 min 26 s
